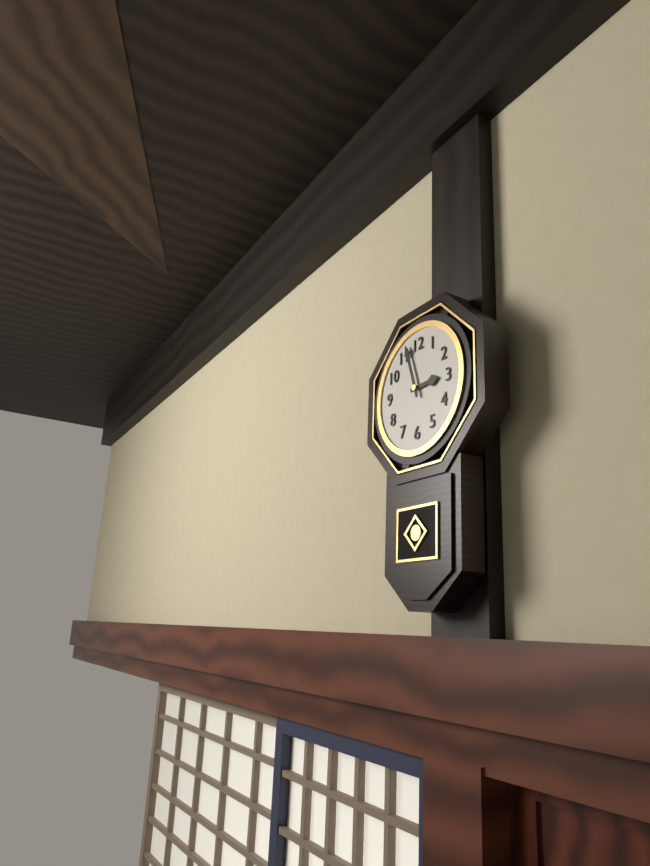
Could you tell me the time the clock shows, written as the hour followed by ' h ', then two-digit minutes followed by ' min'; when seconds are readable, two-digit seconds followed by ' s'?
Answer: 2 h 57 min
